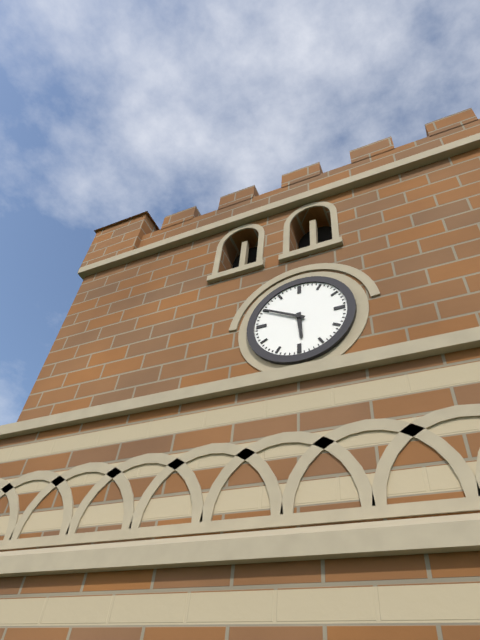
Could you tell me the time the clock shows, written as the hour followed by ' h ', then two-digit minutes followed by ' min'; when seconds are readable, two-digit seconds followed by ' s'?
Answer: 5 h 50 min
